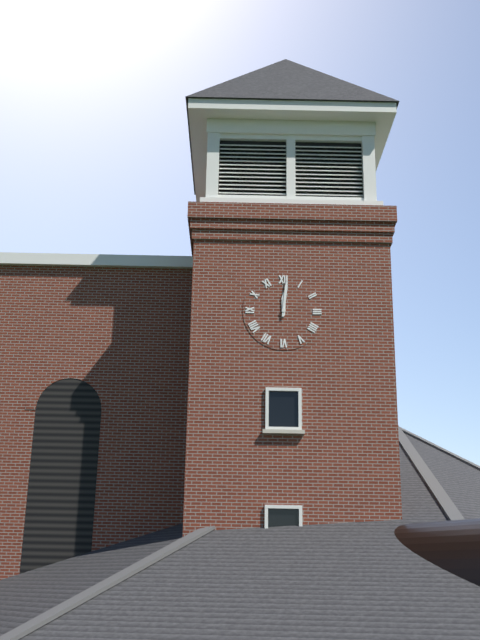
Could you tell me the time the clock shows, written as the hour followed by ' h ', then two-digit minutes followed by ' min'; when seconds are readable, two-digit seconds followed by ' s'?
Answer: 12 h 01 min
